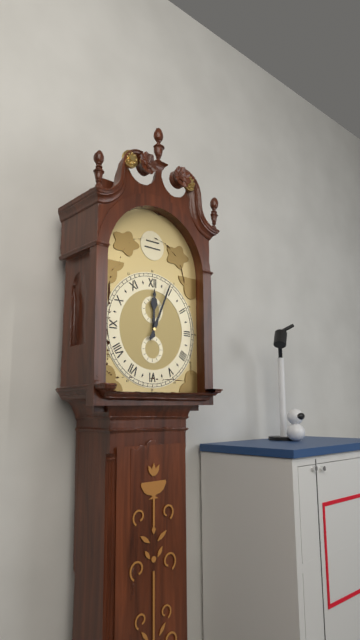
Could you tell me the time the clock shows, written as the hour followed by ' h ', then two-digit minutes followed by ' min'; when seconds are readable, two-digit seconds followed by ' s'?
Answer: 12 h 04 min
